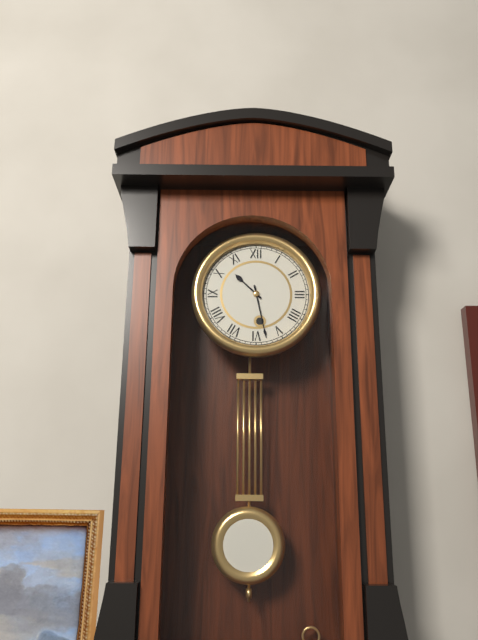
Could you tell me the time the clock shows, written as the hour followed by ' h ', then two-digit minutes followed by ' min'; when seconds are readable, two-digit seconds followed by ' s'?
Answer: 10 h 28 min
